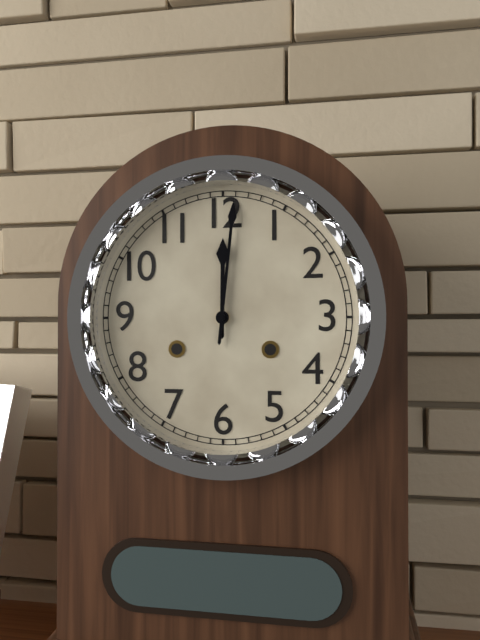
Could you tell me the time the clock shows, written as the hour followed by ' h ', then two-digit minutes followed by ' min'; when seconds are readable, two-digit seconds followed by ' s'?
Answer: 12 h 01 min
